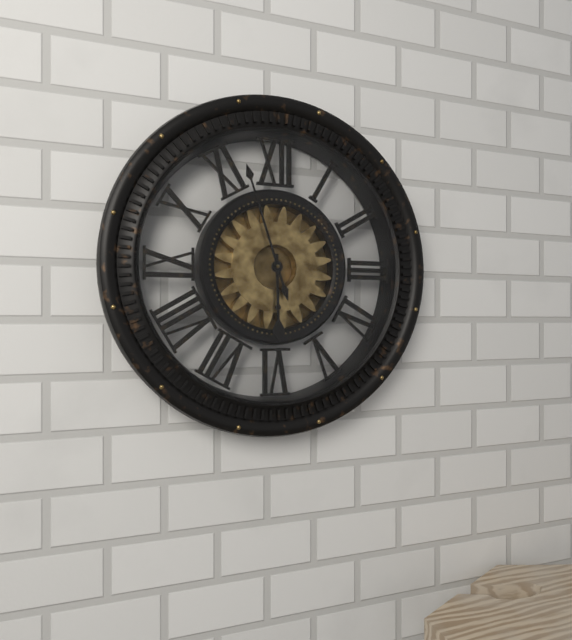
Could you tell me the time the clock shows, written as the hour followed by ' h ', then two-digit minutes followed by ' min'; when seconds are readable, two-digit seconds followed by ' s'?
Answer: 5 h 57 min
